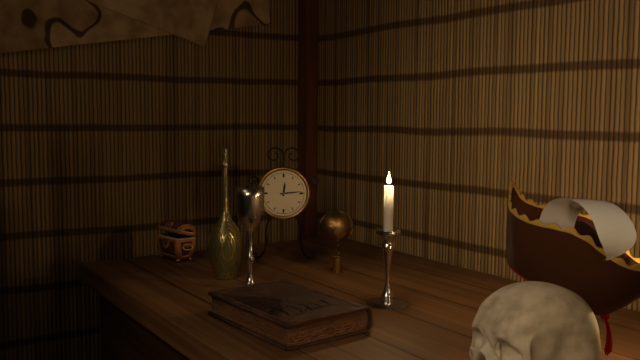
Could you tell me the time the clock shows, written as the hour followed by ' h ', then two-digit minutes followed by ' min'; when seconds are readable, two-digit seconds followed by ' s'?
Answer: 12 h 14 min
